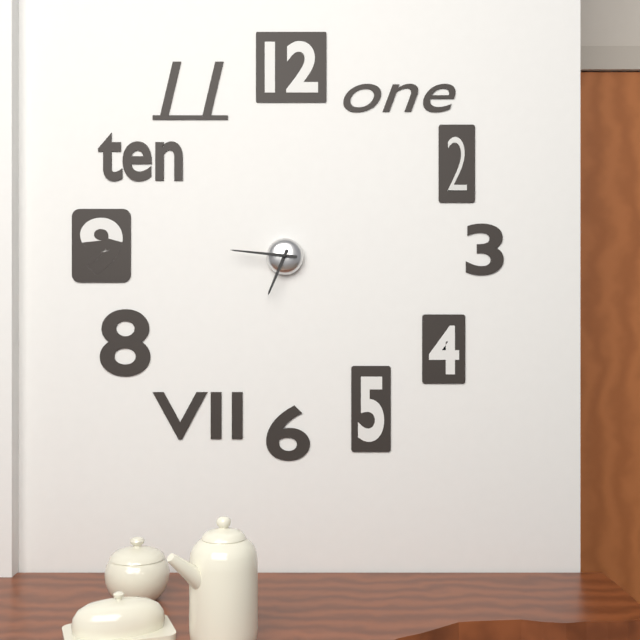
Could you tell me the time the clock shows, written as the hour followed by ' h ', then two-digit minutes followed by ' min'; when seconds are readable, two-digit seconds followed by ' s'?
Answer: 6 h 46 min
